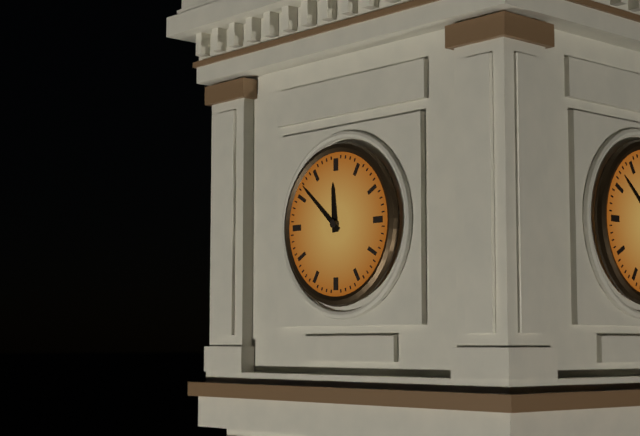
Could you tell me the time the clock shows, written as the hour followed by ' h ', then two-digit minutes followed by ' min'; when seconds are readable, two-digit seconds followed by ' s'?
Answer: 11 h 52 min
